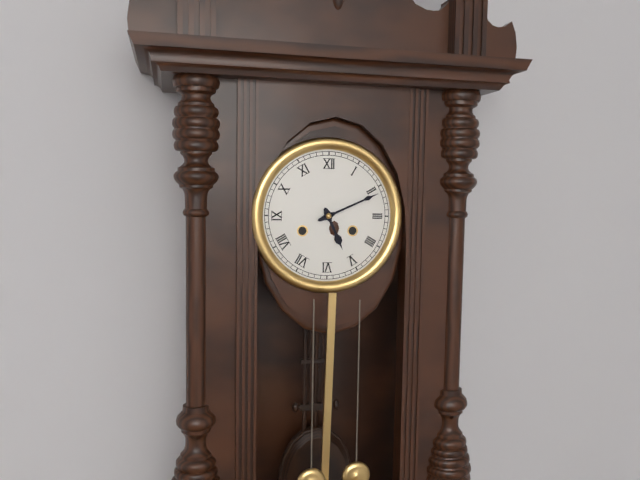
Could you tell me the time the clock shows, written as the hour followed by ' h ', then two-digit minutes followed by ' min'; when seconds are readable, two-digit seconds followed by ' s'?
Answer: 5 h 11 min
